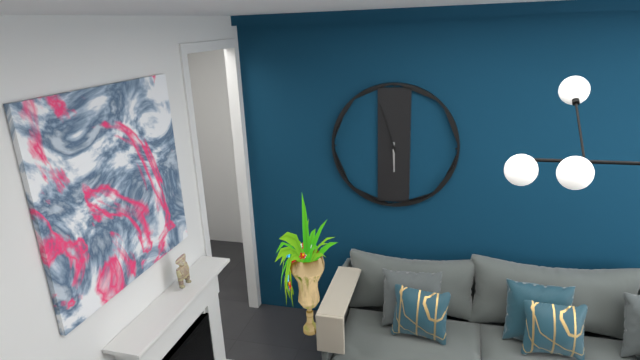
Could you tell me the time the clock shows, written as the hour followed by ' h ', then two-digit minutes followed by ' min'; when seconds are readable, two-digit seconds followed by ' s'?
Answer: 5 h 57 min
